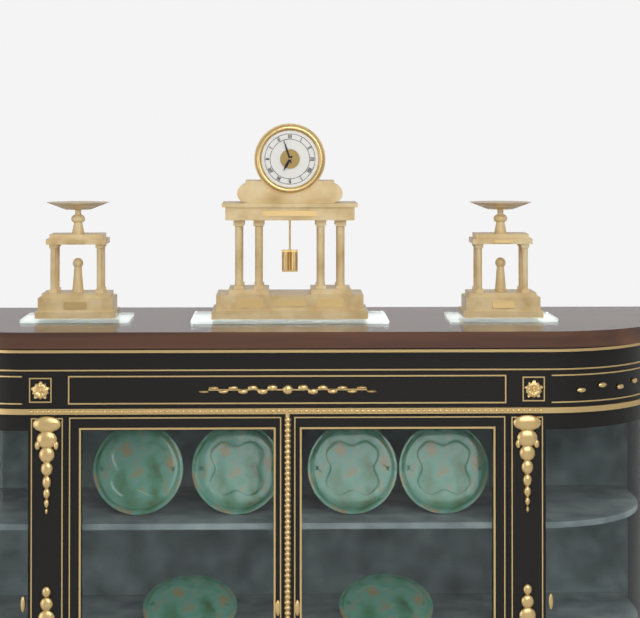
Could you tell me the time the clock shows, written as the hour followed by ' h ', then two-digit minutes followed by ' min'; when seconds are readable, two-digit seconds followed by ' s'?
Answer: 6 h 57 min
